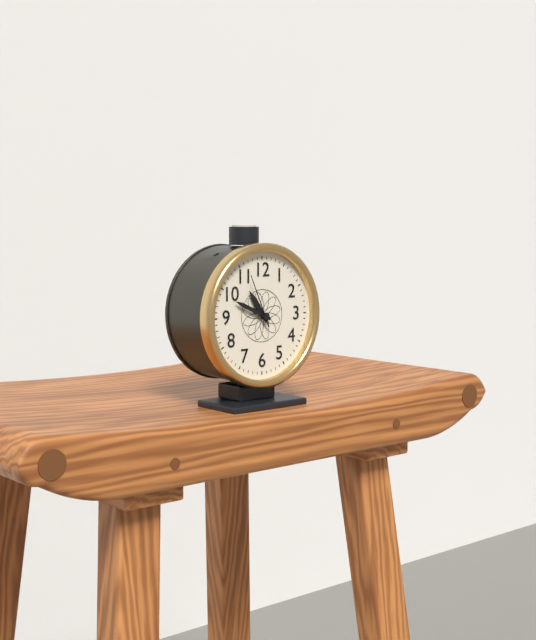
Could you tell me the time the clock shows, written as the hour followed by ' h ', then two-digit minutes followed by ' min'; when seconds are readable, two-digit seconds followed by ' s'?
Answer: 10 h 49 min 56 s
